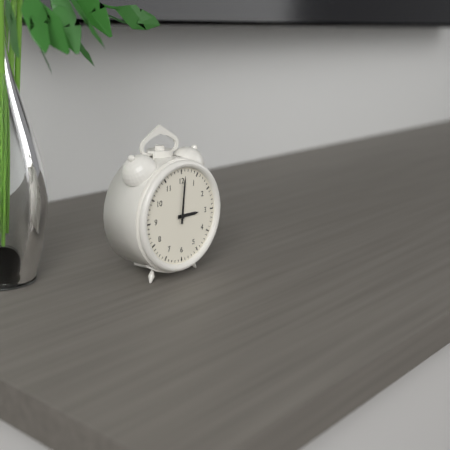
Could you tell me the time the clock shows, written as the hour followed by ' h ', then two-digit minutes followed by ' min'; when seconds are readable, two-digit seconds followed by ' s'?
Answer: 3 h 01 min
